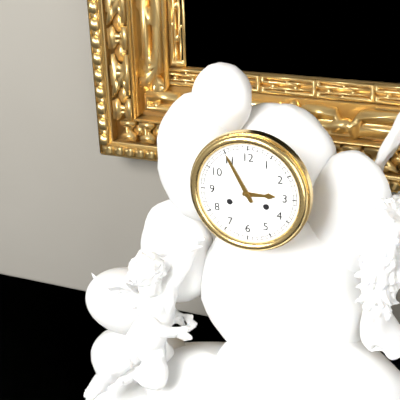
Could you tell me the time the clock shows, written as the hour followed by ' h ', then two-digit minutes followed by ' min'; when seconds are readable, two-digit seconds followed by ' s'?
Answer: 2 h 55 min
